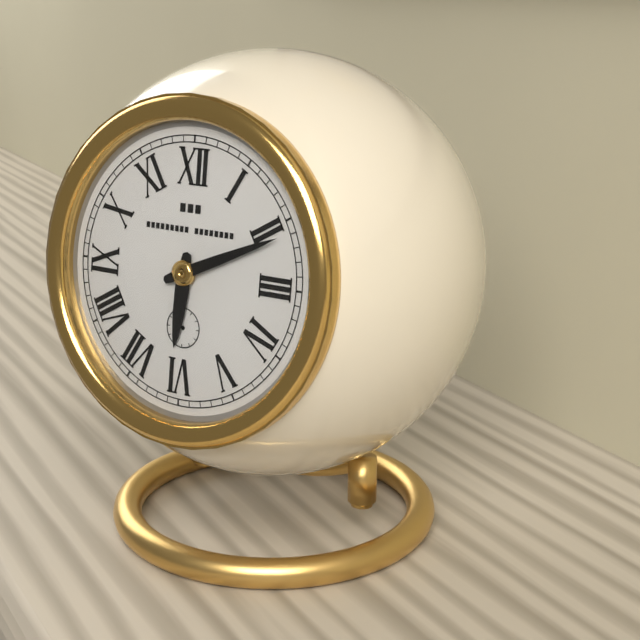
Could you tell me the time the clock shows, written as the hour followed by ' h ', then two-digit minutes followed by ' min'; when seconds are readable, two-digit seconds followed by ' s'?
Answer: 6 h 11 min
